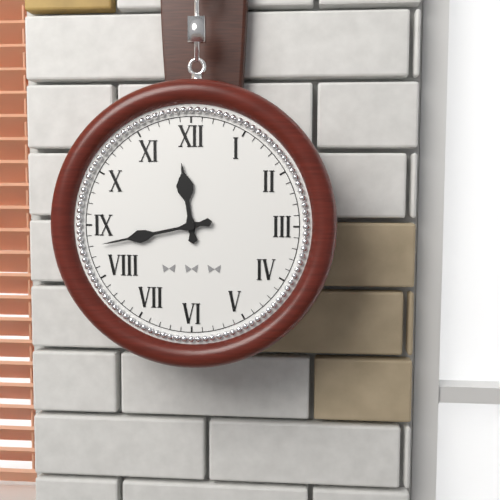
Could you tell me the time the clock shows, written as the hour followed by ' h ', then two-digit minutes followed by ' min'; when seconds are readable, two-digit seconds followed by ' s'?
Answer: 11 h 43 min
